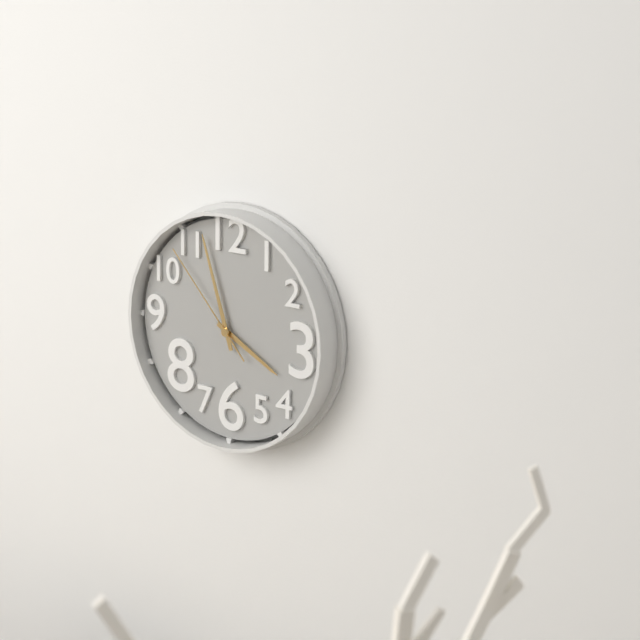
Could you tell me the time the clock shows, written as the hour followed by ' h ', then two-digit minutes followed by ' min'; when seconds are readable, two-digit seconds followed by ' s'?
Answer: 3 h 57 min 53 s
